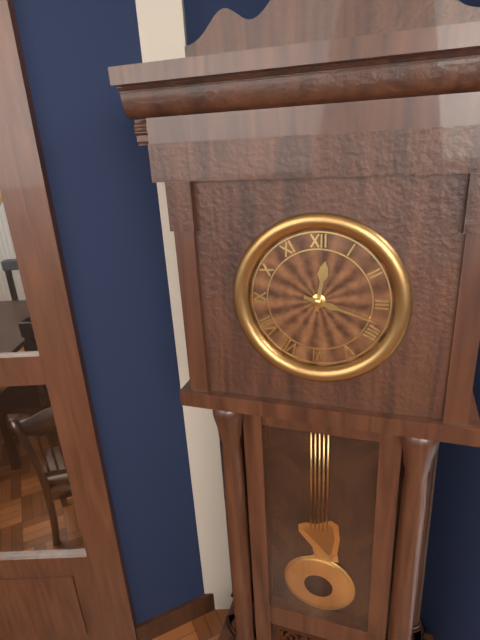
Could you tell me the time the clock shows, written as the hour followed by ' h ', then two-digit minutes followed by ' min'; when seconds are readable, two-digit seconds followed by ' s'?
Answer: 12 h 18 min
